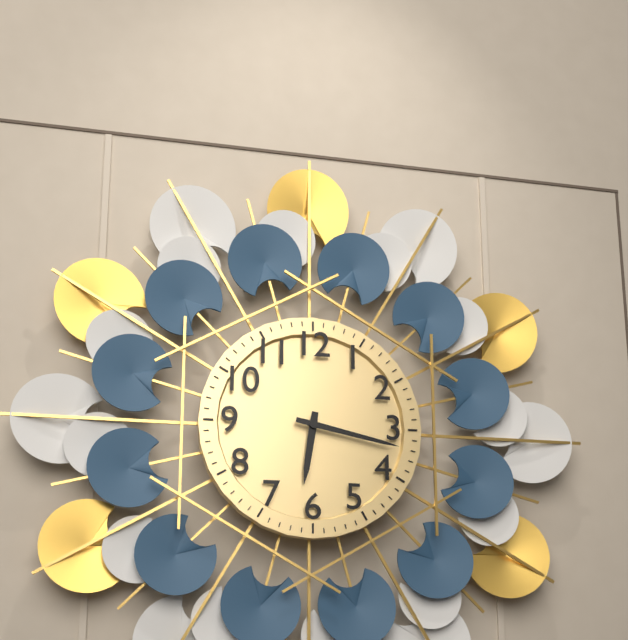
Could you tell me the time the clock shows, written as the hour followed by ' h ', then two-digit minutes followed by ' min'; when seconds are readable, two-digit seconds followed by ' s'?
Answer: 6 h 17 min
